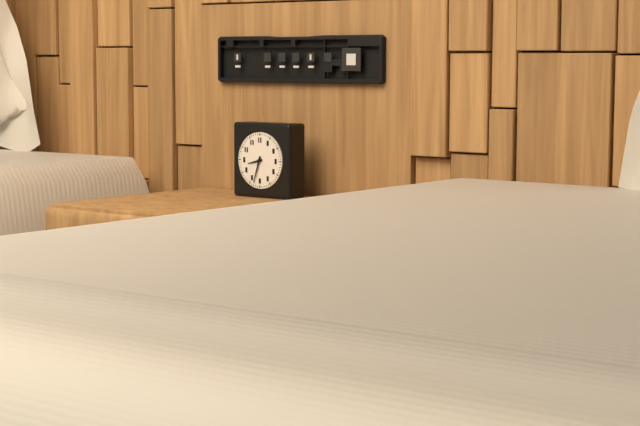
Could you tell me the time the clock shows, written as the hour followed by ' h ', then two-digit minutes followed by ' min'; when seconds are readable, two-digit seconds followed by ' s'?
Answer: 8 h 33 min
